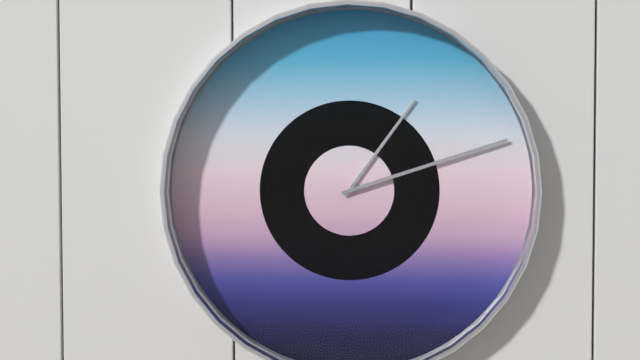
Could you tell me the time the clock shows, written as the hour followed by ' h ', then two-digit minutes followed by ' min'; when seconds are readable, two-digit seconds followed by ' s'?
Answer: 1 h 12 min
